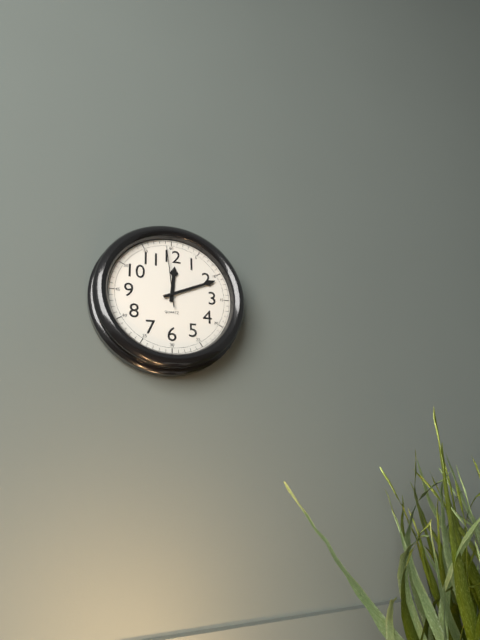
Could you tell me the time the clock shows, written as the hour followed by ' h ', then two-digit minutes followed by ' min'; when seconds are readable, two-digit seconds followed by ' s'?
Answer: 12 h 11 min 59 s
